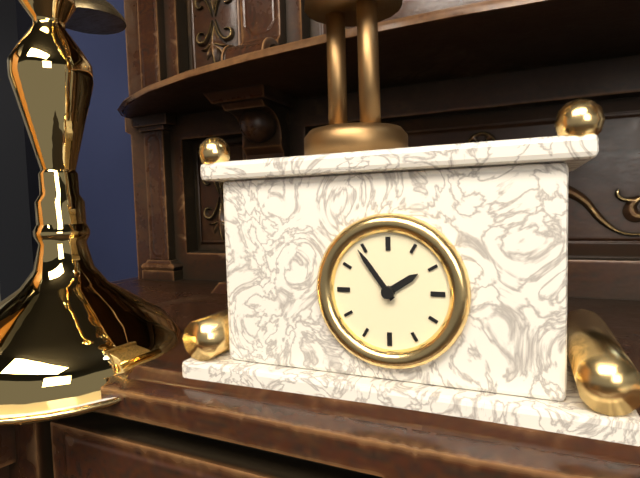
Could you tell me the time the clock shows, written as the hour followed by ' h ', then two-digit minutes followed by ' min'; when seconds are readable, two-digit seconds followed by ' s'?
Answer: 1 h 54 min
